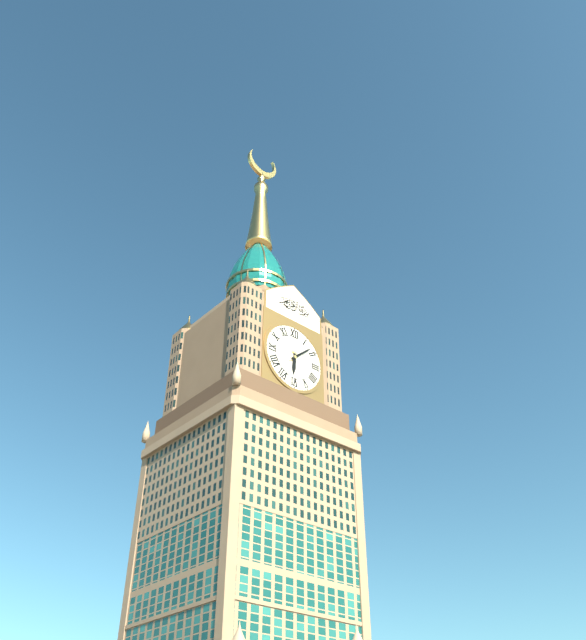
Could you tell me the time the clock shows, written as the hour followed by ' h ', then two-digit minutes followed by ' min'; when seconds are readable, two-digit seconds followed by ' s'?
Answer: 6 h 08 min
